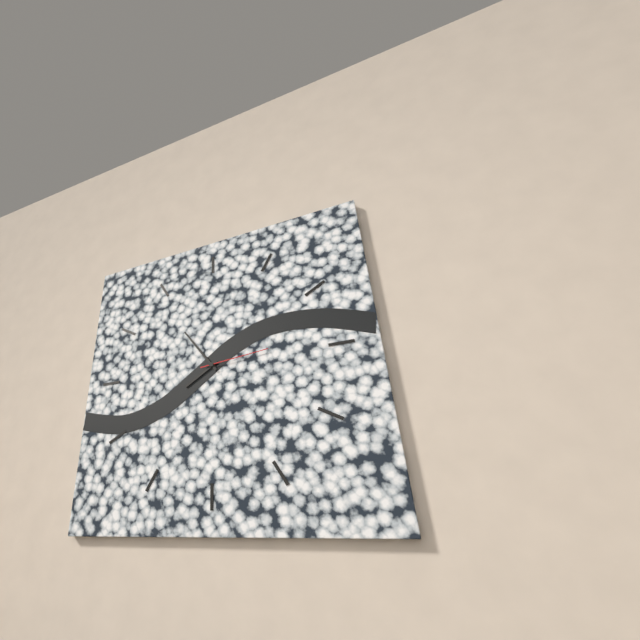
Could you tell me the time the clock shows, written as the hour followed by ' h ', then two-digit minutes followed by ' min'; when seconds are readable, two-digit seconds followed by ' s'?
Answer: 7 h 54 min 14 s
